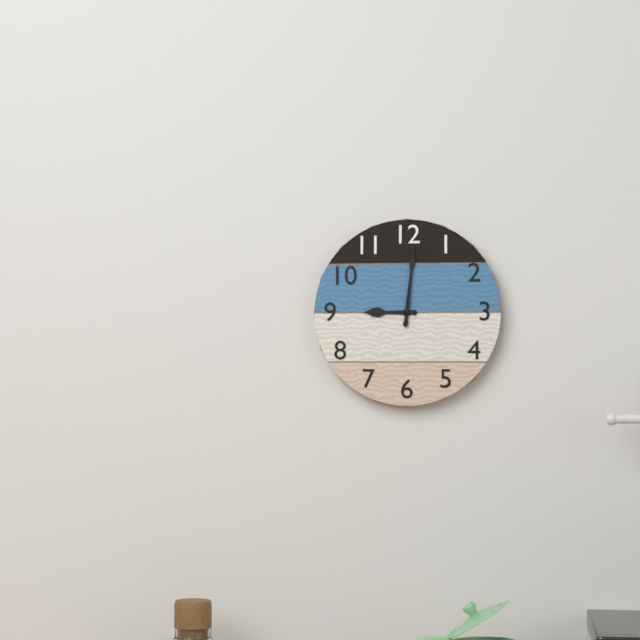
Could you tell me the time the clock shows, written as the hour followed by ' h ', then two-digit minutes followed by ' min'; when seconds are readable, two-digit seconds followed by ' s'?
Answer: 9 h 01 min
